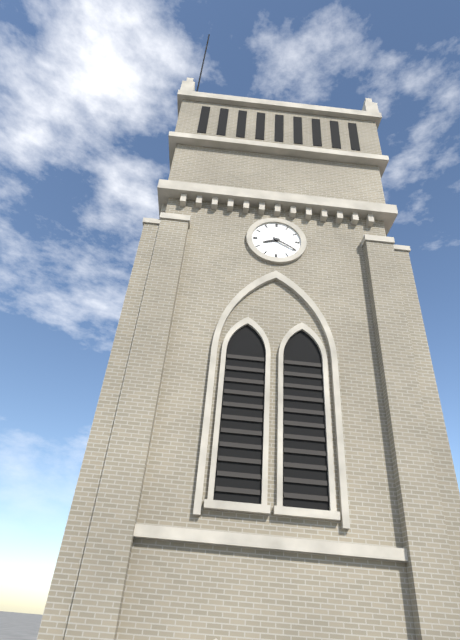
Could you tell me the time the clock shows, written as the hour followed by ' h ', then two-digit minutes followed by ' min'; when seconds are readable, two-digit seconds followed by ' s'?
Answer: 8 h 20 min
